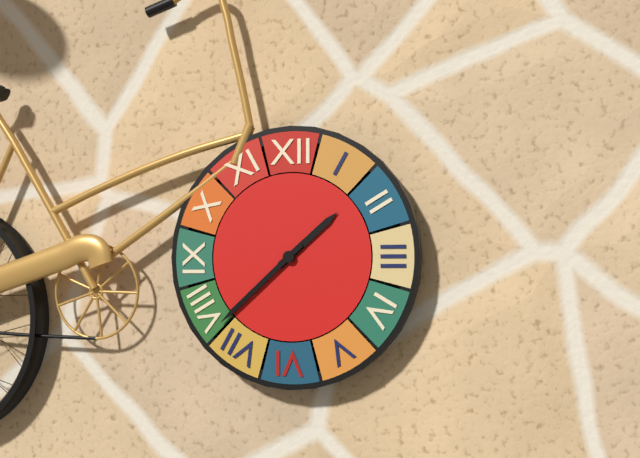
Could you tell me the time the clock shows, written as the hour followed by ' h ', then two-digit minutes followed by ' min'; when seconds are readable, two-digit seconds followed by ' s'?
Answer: 1 h 38 min
